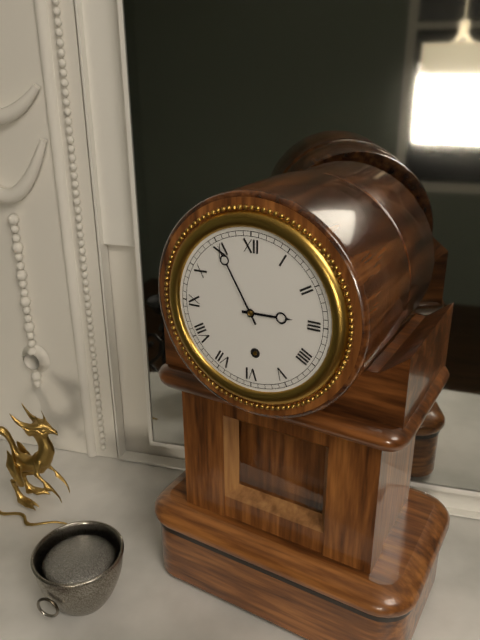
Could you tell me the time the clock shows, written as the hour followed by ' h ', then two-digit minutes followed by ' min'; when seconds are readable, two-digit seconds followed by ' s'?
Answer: 2 h 55 min
